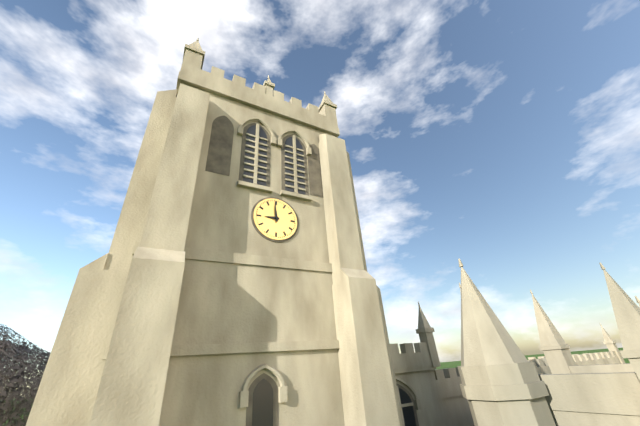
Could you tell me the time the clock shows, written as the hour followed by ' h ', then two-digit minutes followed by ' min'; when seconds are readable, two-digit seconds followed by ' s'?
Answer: 8 h 59 min
